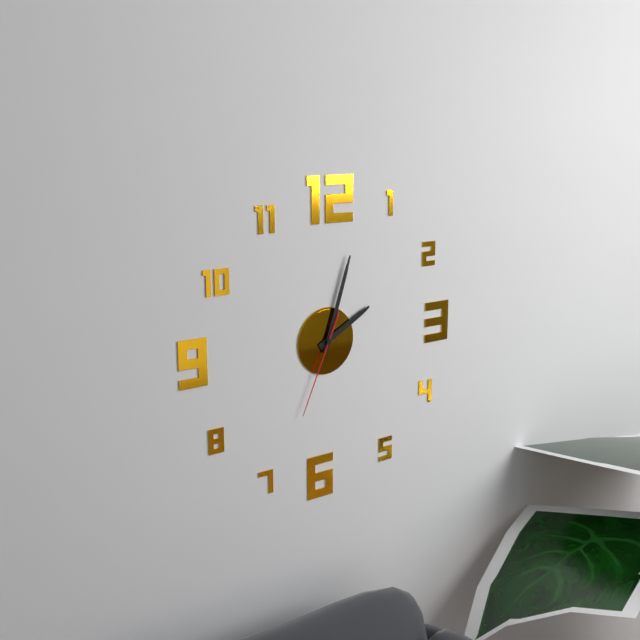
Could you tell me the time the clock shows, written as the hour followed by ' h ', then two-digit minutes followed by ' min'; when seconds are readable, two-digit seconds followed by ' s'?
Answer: 2 h 03 min 34 s
